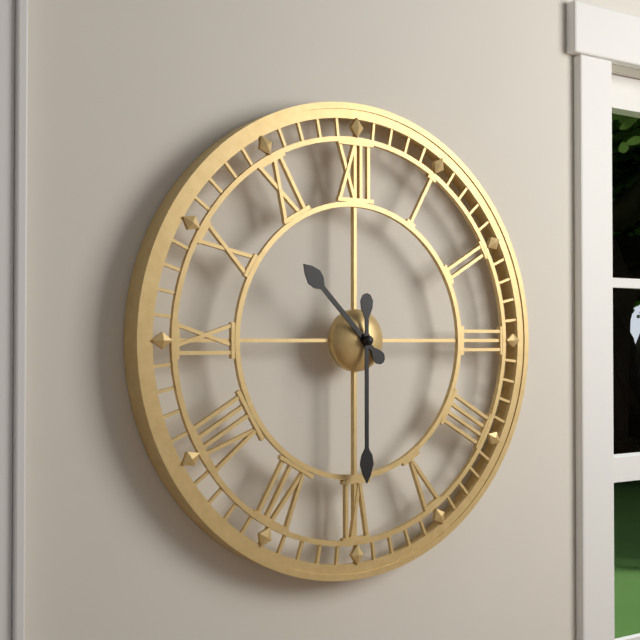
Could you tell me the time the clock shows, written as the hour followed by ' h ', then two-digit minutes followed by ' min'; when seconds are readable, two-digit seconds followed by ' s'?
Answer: 10 h 30 min
